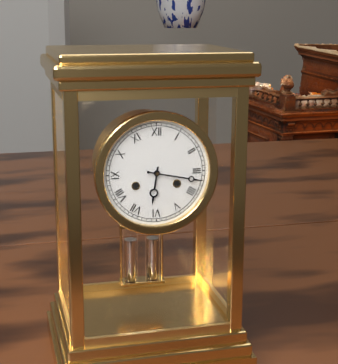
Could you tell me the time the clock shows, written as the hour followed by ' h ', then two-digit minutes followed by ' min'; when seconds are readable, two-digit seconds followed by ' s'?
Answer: 6 h 17 min
